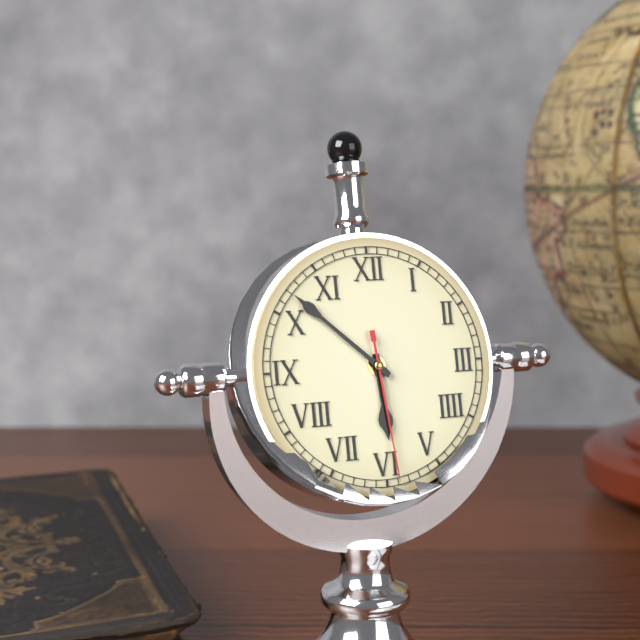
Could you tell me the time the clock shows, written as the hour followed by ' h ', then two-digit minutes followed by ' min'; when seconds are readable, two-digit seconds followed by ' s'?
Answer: 5 h 52 min 29 s
